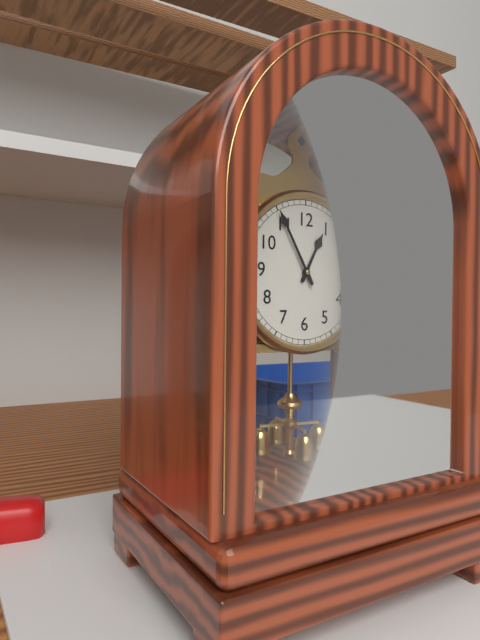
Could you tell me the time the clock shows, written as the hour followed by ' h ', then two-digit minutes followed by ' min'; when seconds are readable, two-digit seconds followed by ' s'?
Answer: 12 h 55 min
